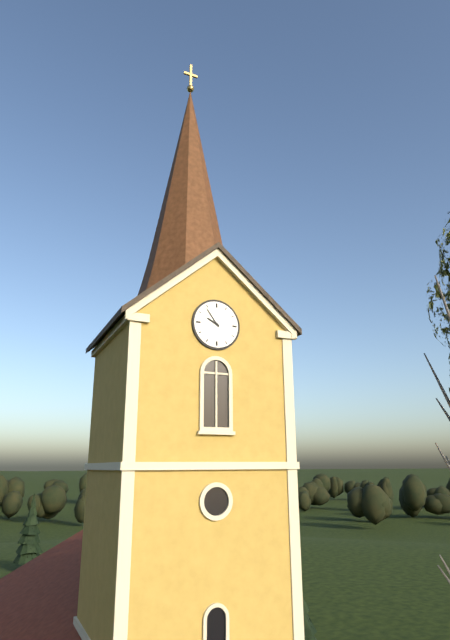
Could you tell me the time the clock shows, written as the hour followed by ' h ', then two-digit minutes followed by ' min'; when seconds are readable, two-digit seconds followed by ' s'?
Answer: 9 h 54 min
